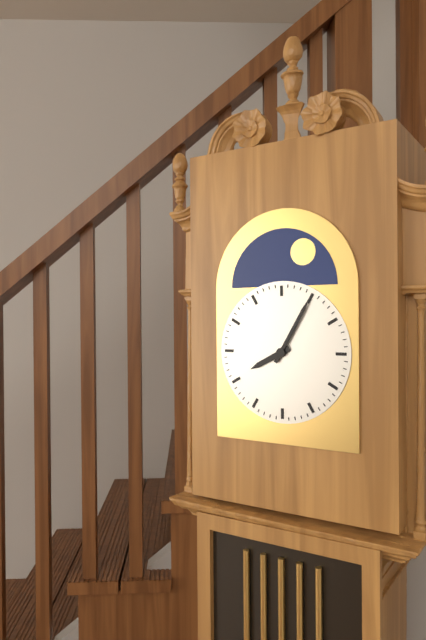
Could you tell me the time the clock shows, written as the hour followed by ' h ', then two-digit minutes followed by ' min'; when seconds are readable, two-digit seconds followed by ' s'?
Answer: 8 h 05 min
